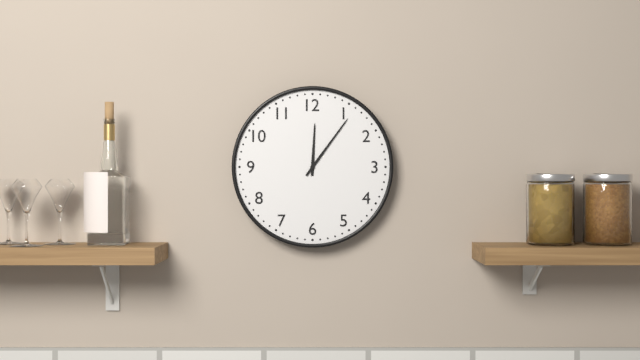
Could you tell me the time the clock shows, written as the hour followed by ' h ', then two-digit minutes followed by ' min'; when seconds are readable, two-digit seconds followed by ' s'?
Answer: 12 h 06 min
